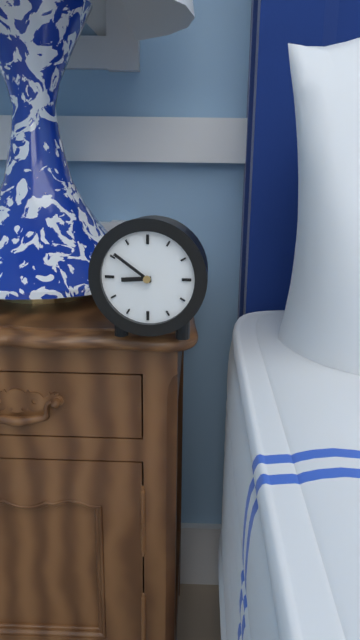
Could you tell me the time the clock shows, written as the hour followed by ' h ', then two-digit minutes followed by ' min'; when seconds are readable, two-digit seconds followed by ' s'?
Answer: 8 h 51 min
